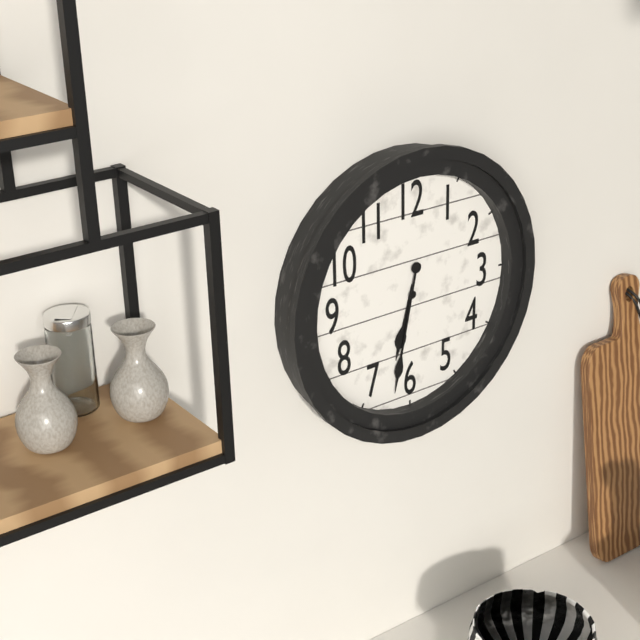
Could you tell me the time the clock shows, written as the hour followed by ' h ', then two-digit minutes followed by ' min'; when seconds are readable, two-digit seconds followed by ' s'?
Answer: 6 h 32 min
